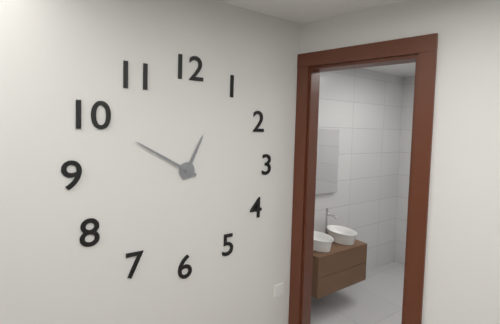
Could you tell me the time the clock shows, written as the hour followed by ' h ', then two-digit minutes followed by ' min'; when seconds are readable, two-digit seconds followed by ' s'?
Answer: 12 h 50 min
